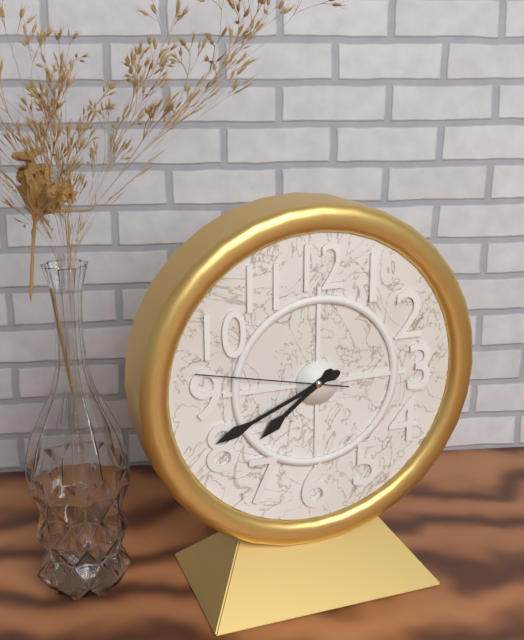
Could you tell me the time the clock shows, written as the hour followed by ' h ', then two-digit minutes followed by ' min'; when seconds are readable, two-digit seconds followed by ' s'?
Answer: 7 h 41 min 47 s
